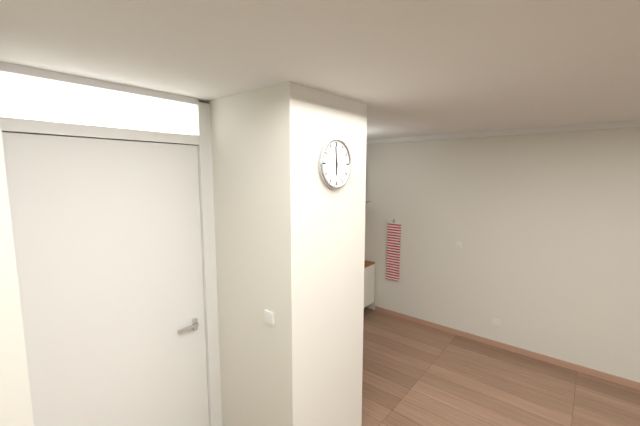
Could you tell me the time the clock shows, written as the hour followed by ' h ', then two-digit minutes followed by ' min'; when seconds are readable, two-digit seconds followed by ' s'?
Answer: 5 h 59 min
